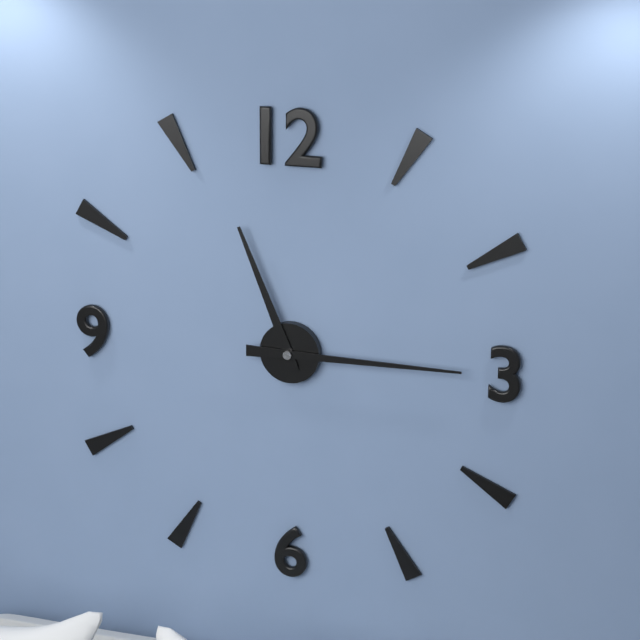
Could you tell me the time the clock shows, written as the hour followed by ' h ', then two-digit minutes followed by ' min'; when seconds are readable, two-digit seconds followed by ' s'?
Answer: 11 h 15 min
